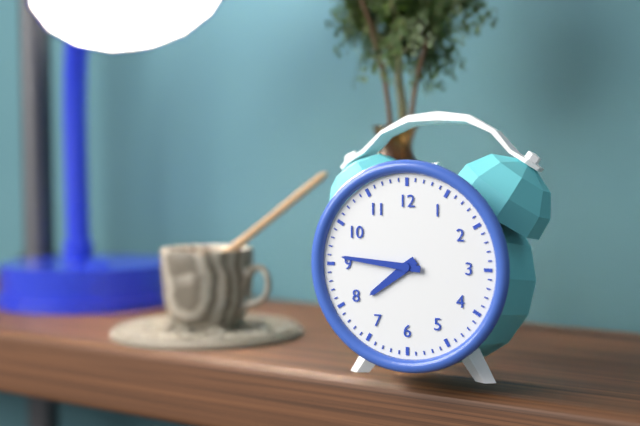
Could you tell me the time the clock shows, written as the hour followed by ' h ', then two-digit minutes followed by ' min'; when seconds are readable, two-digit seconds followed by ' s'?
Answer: 7 h 46 min
